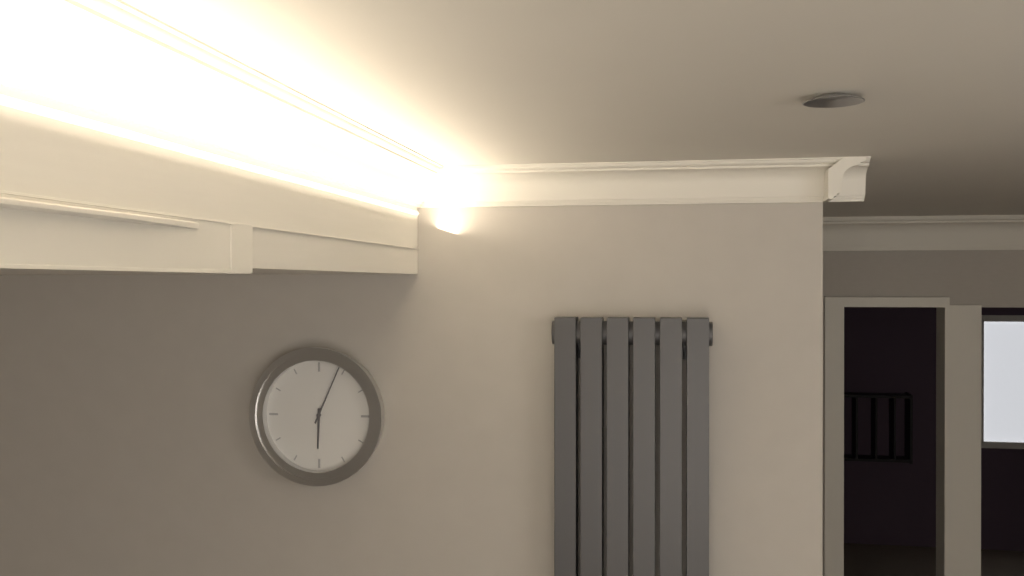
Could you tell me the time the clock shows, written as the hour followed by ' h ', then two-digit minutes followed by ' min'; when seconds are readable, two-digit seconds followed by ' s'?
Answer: 6 h 04 min
